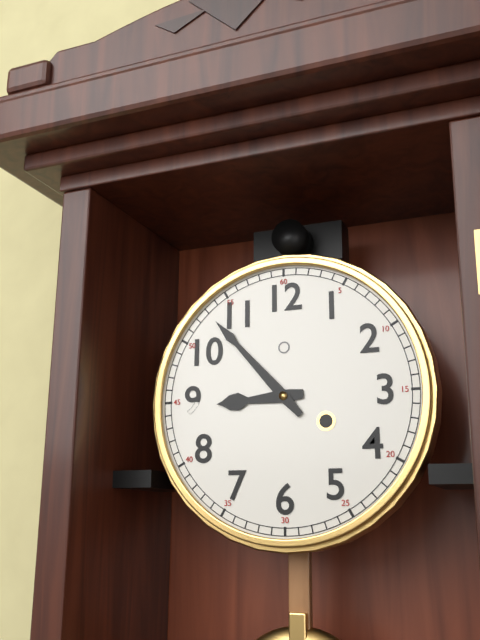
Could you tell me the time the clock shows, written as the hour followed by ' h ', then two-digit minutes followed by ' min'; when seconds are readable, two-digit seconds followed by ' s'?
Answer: 8 h 53 min
